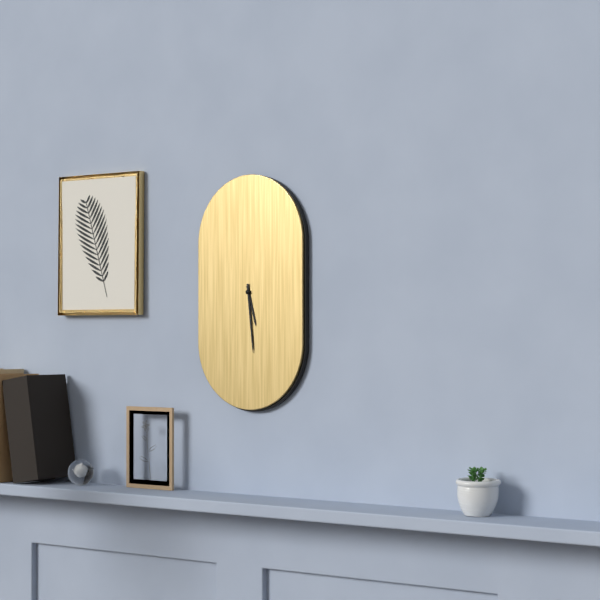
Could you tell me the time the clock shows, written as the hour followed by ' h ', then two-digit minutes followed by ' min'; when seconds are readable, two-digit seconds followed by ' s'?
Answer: 5 h 29 min
